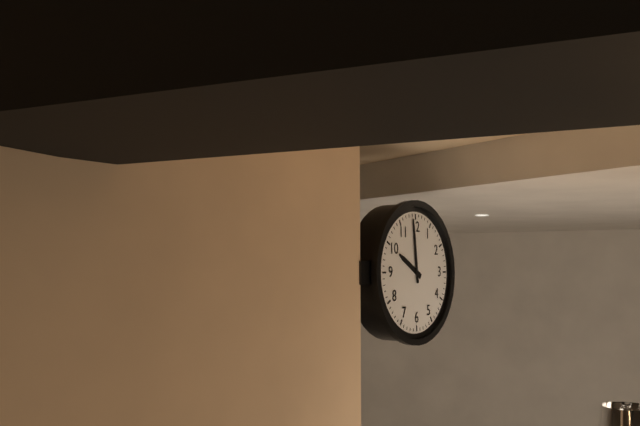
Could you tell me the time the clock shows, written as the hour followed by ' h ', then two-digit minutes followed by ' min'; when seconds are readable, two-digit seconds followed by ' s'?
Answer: 9 h 59 min
